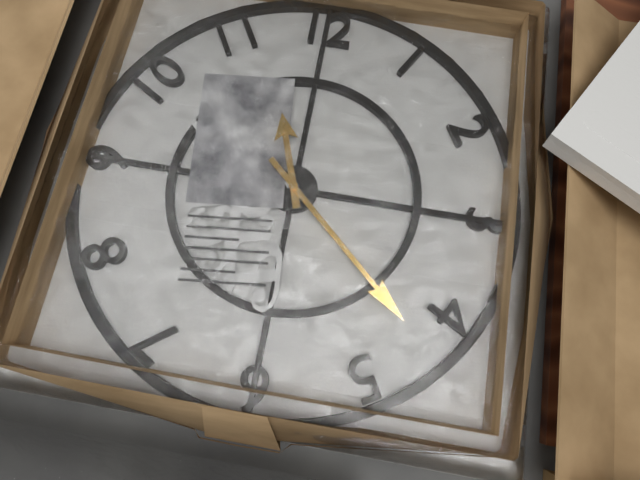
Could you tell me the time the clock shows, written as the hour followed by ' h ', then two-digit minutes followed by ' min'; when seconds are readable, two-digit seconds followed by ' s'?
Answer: 11 h 22 min
